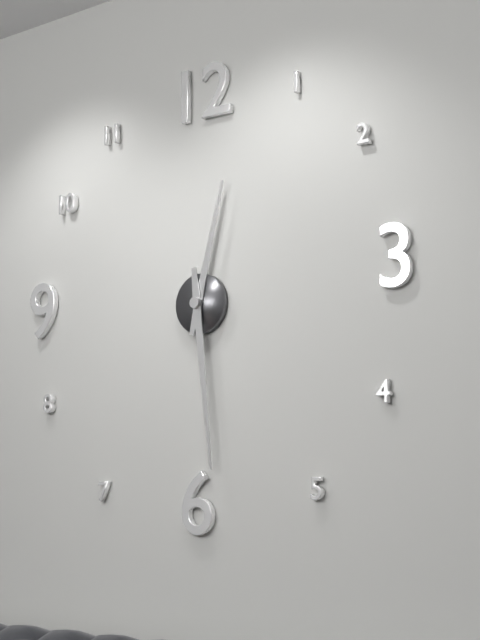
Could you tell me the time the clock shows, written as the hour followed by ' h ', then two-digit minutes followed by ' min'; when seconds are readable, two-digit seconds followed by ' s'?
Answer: 12 h 29 min
